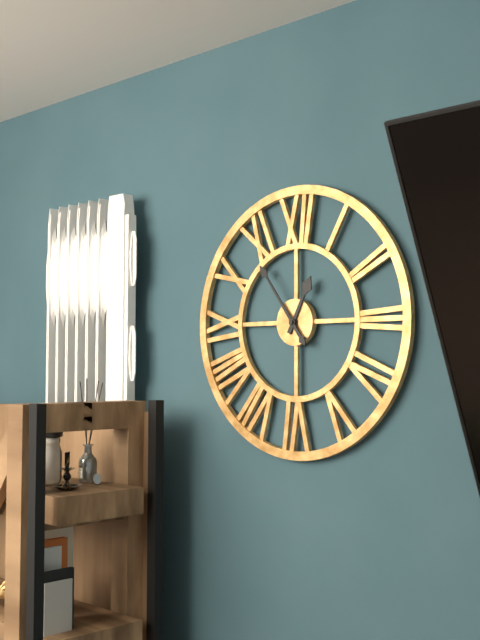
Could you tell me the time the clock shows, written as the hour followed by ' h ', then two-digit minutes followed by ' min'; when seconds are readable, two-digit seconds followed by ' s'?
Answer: 12 h 54 min
